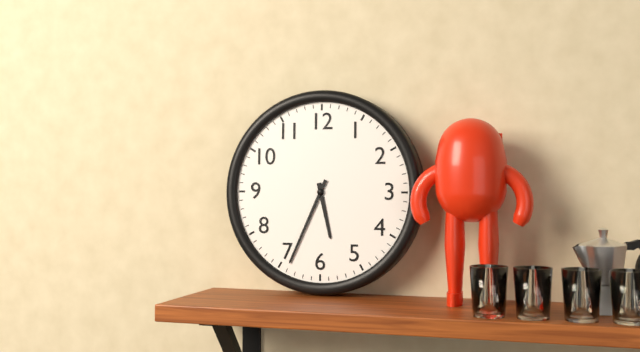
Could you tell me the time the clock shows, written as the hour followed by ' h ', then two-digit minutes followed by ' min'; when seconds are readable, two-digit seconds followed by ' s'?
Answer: 5 h 34 min
